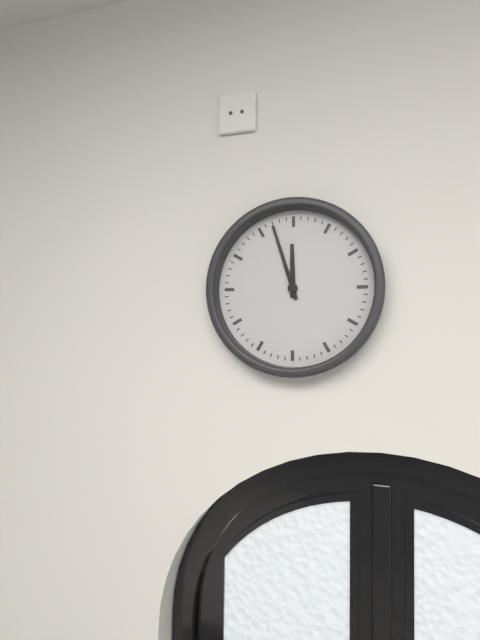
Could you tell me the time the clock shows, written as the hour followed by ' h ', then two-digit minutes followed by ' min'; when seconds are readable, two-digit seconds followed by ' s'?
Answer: 11 h 57 min
